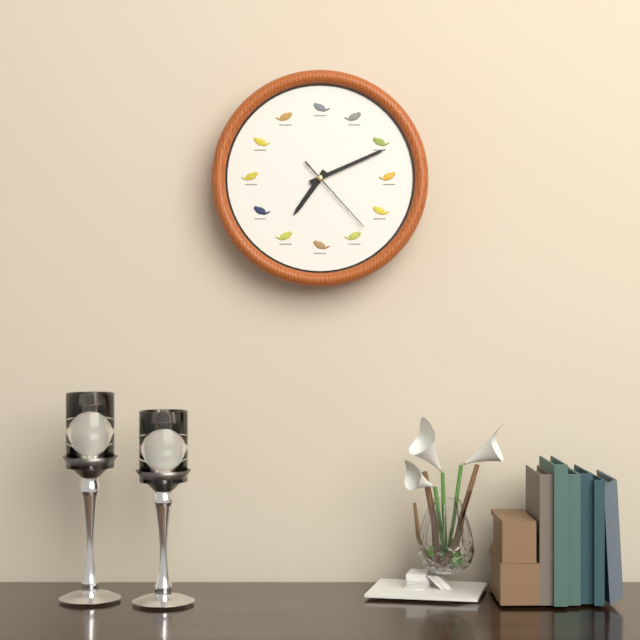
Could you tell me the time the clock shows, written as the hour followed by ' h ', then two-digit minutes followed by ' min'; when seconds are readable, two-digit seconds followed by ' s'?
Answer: 7 h 11 min 23 s
